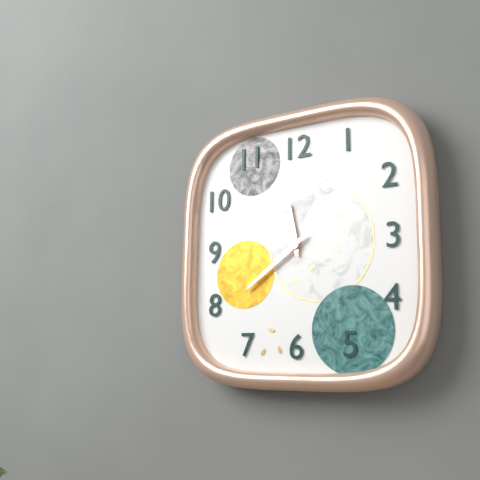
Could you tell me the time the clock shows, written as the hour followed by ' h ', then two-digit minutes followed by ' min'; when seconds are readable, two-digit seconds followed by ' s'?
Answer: 11 h 39 min
